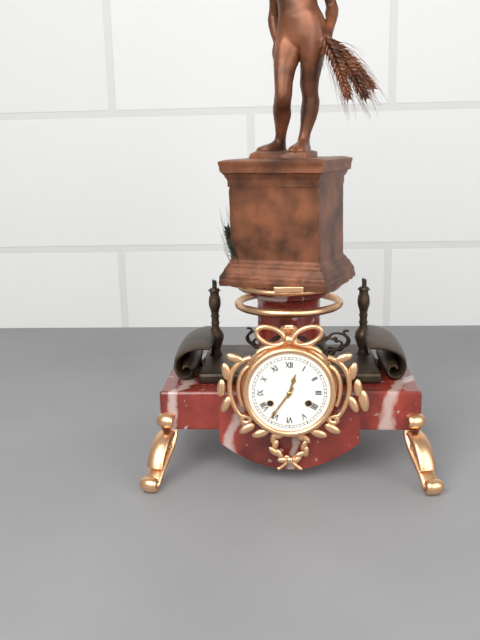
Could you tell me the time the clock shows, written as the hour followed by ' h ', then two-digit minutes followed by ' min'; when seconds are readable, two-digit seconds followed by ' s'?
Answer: 12 h 36 min
